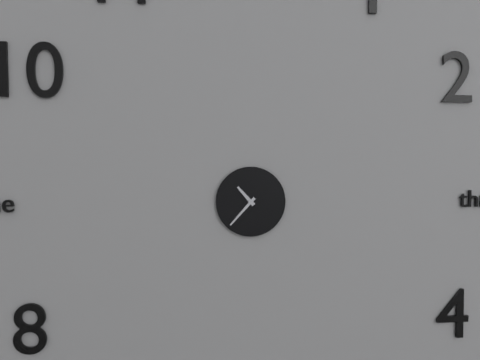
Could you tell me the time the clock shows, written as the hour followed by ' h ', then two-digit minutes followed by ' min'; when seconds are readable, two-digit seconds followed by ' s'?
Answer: 10 h 37 min
